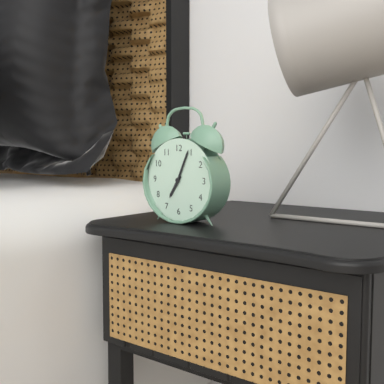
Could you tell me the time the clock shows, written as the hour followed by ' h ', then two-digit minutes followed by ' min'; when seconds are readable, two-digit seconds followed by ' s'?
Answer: 7 h 04 min
